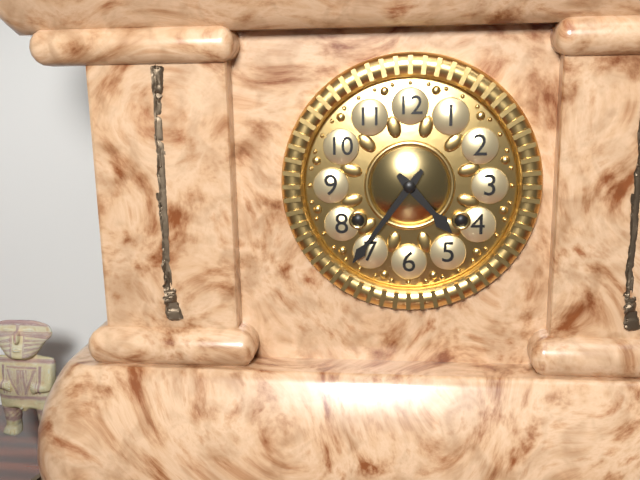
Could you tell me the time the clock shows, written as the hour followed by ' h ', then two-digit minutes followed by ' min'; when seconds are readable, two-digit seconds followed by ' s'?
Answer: 4 h 36 min
